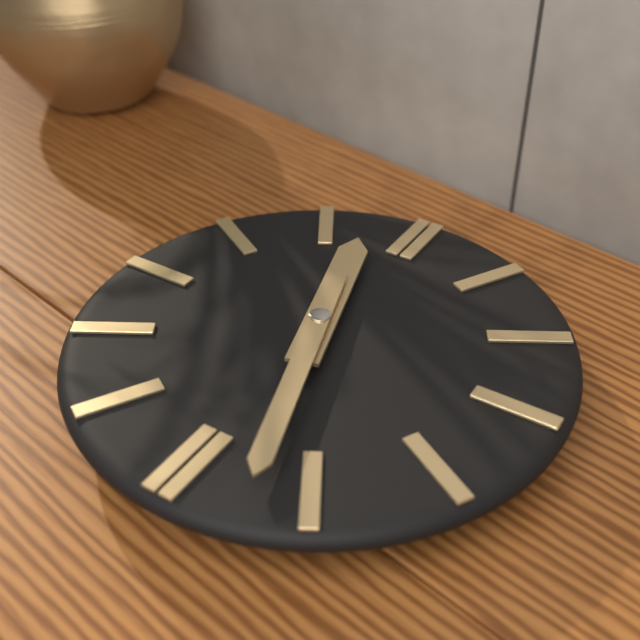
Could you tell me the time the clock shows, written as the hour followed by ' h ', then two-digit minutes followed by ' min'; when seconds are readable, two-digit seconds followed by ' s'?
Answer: 11 h 27 min
